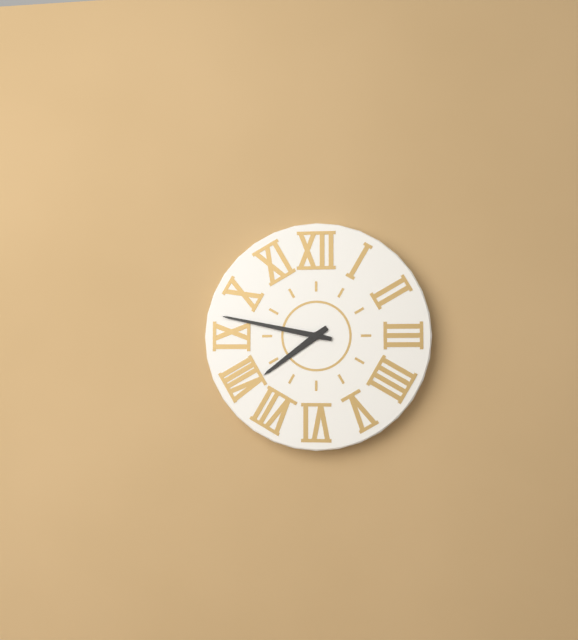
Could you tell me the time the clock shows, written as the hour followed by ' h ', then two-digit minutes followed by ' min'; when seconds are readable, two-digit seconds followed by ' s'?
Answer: 7 h 47 min
